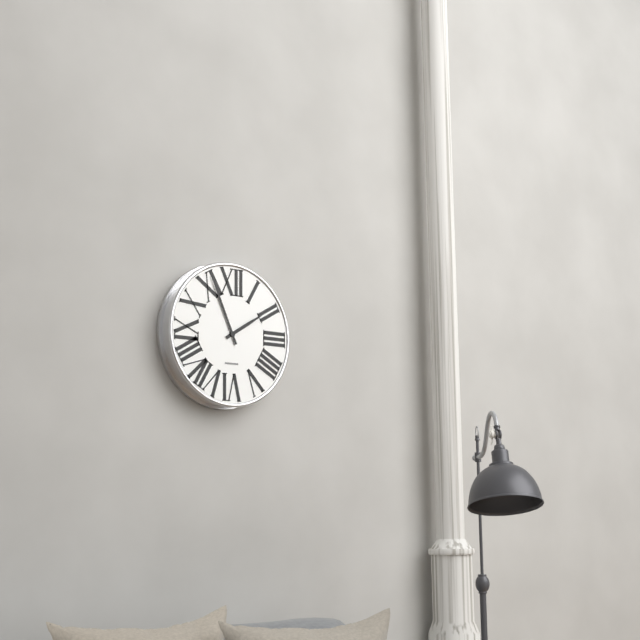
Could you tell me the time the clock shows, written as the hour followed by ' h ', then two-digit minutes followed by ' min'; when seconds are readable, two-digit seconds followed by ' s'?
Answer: 1 h 56 min
